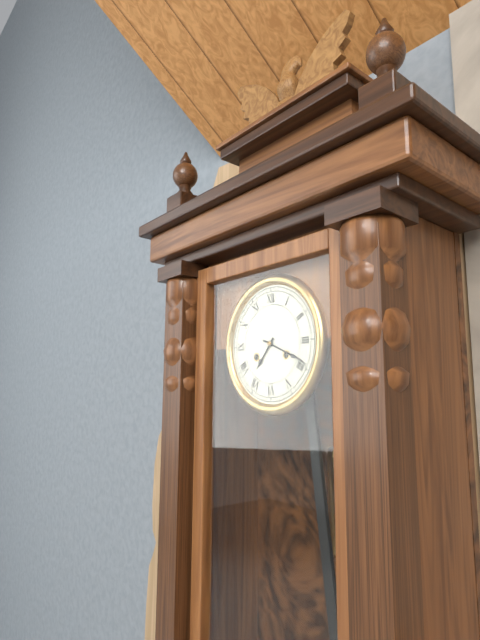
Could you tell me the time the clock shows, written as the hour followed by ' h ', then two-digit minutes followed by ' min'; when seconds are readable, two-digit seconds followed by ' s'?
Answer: 7 h 19 min
